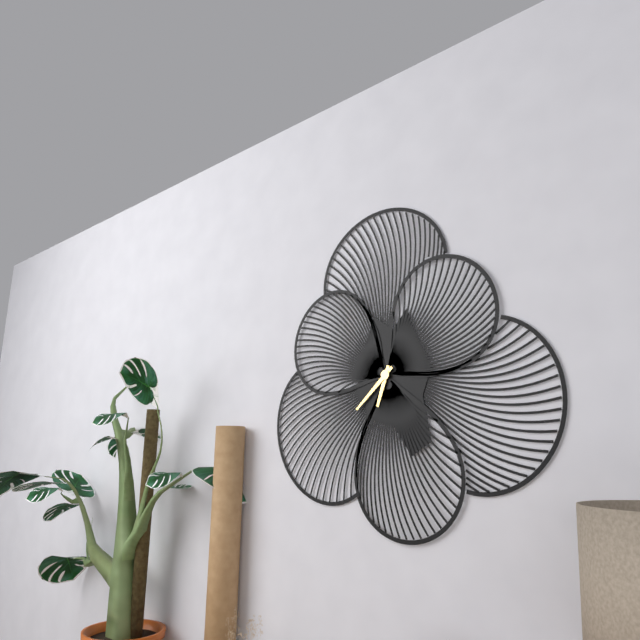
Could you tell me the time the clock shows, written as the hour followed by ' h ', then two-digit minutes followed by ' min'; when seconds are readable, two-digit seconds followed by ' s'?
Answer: 6 h 38 min
